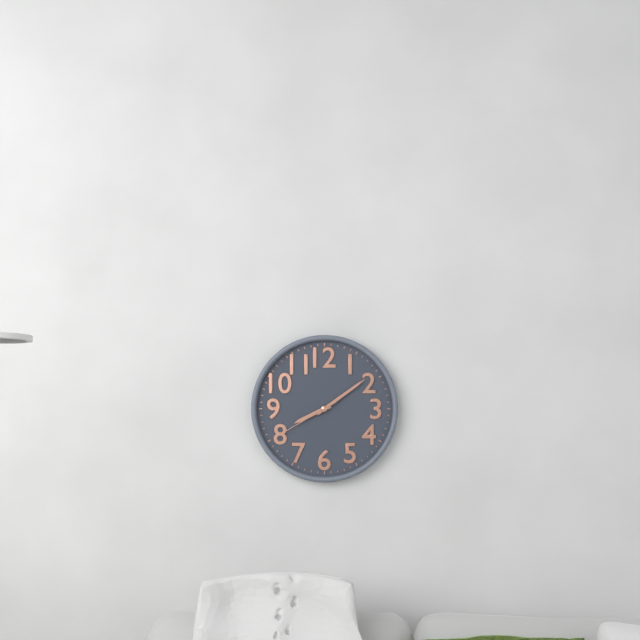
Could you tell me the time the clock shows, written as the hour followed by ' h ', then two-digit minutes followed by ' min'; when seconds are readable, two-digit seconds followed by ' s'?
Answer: 8 h 09 min 40 s
